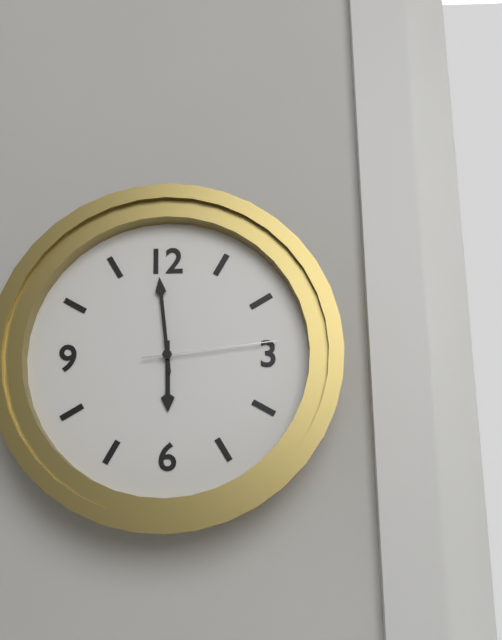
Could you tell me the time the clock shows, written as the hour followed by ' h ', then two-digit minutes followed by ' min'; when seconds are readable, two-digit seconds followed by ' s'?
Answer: 5 h 59 min 14 s
